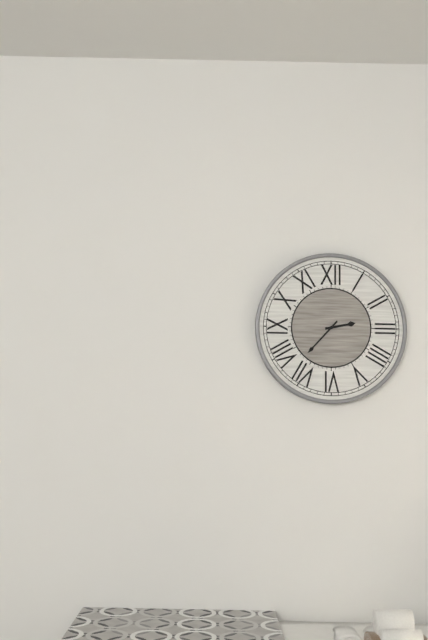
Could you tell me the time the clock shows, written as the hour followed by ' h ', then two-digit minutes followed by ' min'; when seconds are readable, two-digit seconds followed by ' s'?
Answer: 2 h 37 min
